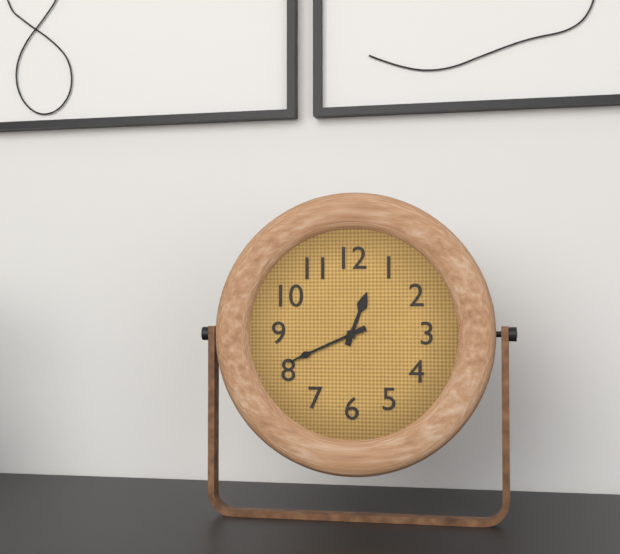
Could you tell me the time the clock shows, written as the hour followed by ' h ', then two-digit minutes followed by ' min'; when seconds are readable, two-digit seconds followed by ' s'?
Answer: 12 h 41 min
